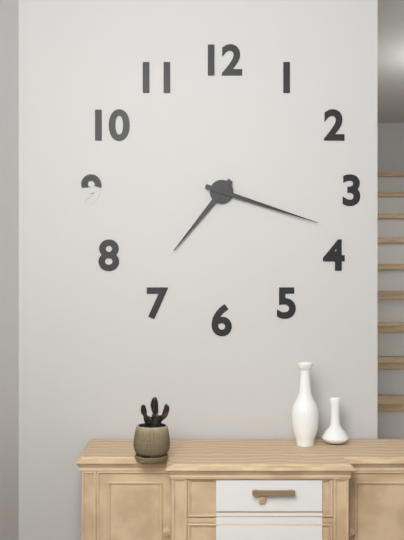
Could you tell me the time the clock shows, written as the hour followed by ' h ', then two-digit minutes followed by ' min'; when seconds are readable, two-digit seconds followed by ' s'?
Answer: 7 h 18 min
